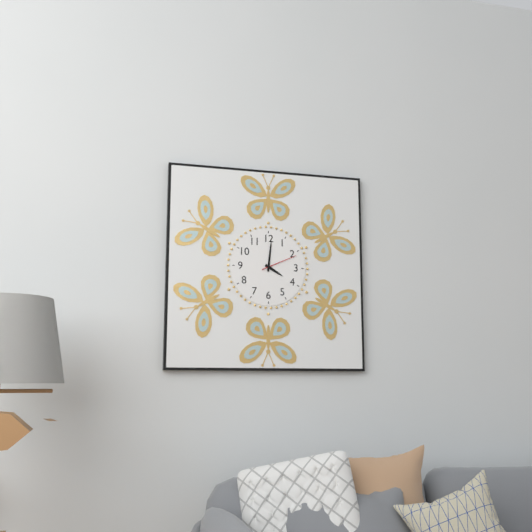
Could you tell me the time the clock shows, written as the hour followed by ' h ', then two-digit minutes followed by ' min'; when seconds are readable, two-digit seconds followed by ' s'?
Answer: 4 h 01 min
